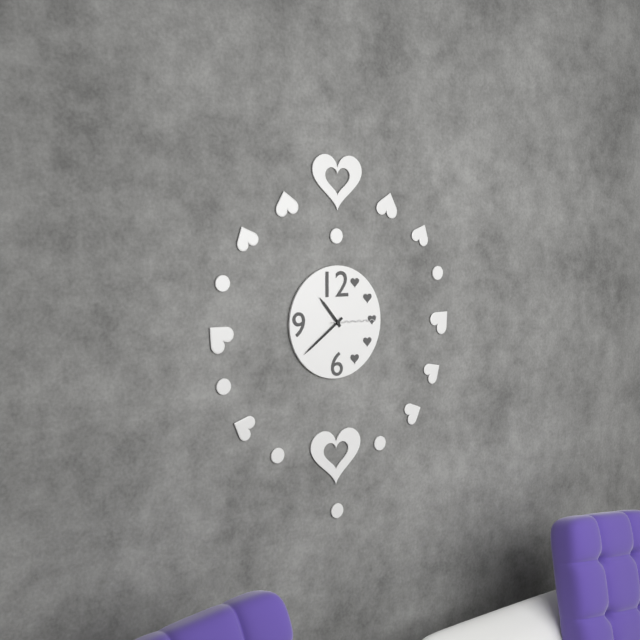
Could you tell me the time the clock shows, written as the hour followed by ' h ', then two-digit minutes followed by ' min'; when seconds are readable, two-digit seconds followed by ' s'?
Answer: 10 h 39 min
